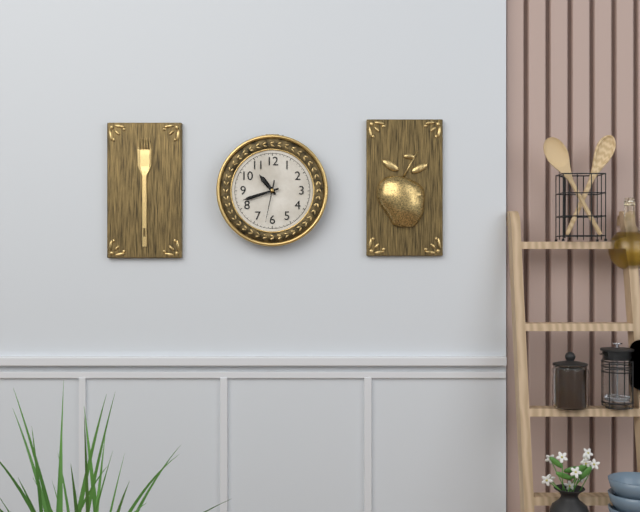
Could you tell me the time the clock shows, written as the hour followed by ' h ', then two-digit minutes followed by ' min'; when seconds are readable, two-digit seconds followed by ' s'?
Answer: 10 h 42 min
